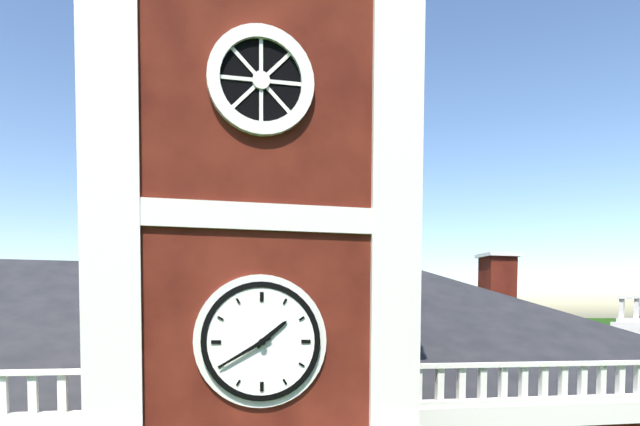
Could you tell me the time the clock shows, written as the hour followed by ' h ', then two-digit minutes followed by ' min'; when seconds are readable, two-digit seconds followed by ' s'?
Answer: 1 h 40 min
